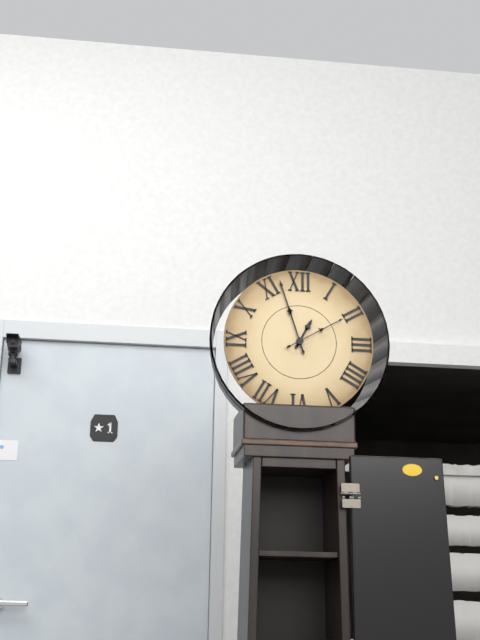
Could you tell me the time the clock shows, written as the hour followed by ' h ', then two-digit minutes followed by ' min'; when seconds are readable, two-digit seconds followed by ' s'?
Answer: 12 h 57 min 10 s
